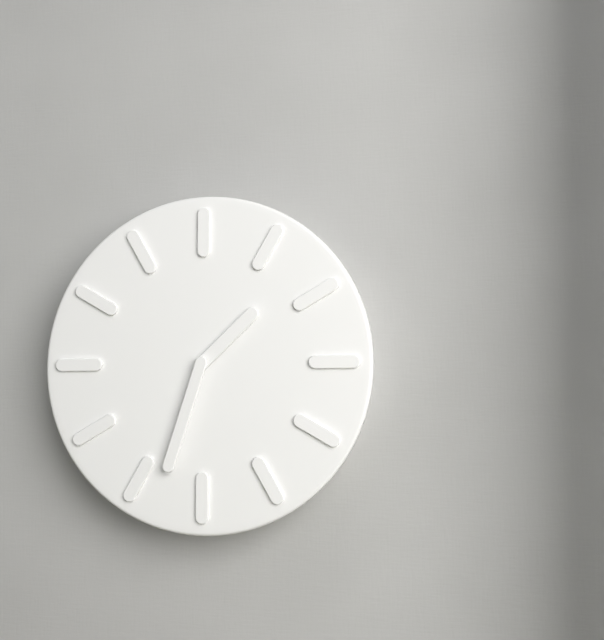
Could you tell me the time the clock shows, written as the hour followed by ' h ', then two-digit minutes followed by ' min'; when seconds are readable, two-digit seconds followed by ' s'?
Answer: 1 h 33 min
